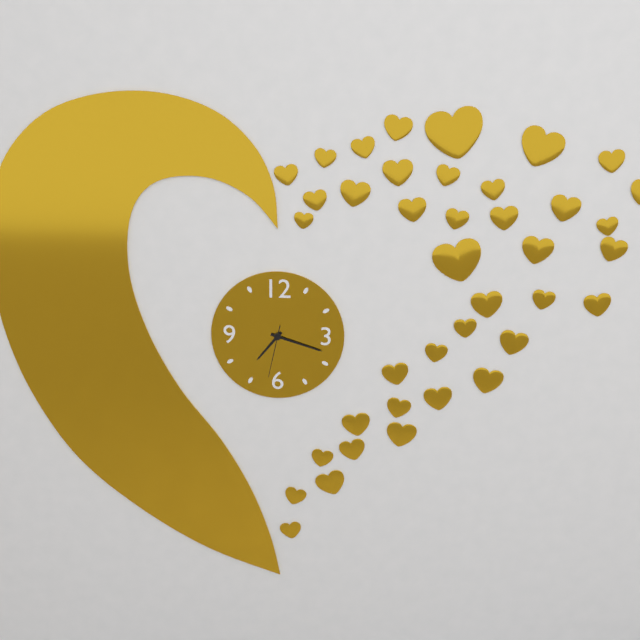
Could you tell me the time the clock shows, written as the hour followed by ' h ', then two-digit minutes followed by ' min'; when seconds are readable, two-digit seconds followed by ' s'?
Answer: 7 h 18 min 32 s
